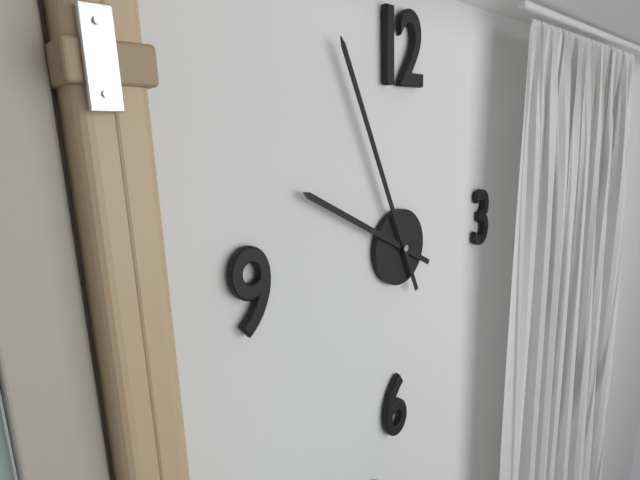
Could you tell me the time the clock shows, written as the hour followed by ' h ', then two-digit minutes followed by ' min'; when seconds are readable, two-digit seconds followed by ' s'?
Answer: 9 h 56 min
